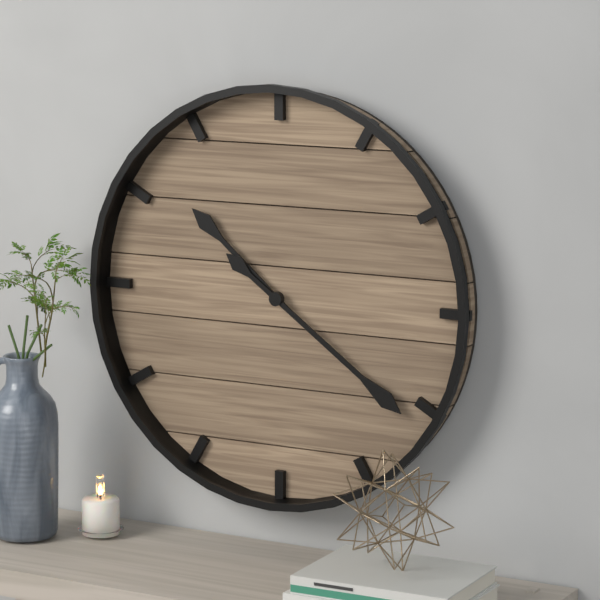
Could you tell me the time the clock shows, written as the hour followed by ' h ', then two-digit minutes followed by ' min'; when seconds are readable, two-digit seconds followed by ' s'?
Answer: 10 h 21 min
